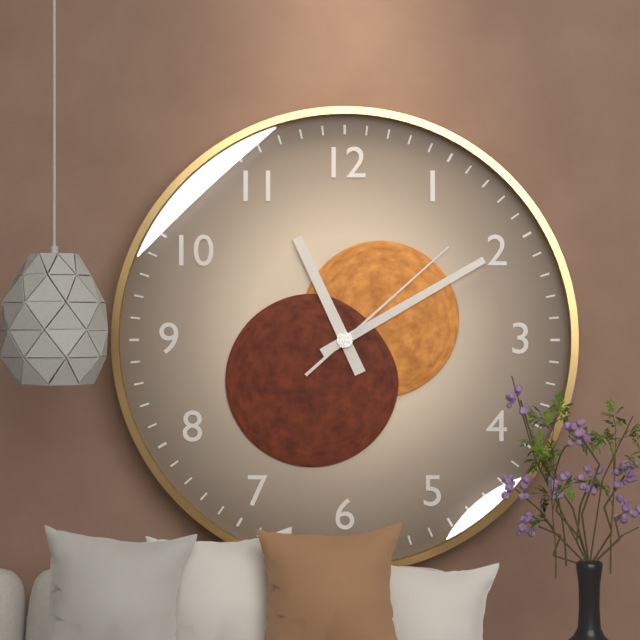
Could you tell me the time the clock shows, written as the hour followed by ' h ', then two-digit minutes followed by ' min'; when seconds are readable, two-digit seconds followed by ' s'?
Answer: 11 h 10 min 08 s
